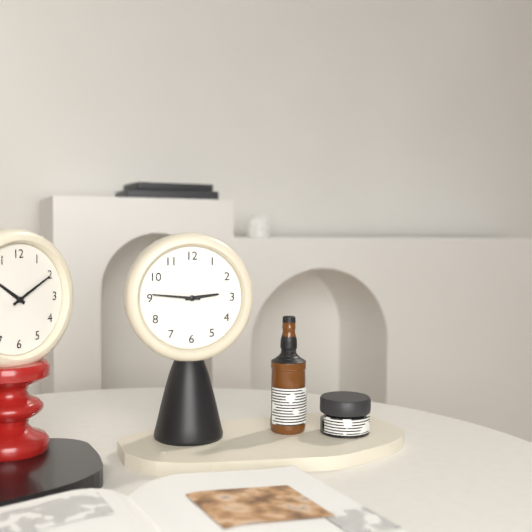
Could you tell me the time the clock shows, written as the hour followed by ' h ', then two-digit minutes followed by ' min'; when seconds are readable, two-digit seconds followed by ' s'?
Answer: 2 h 46 min
